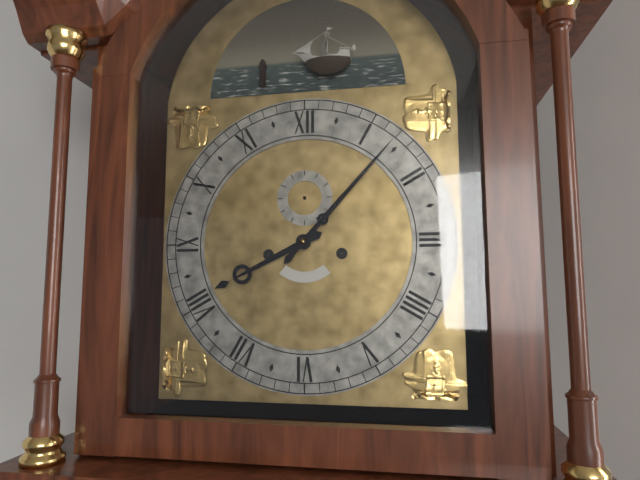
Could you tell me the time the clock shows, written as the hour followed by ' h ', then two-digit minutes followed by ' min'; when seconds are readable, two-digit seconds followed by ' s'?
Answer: 8 h 07 min
